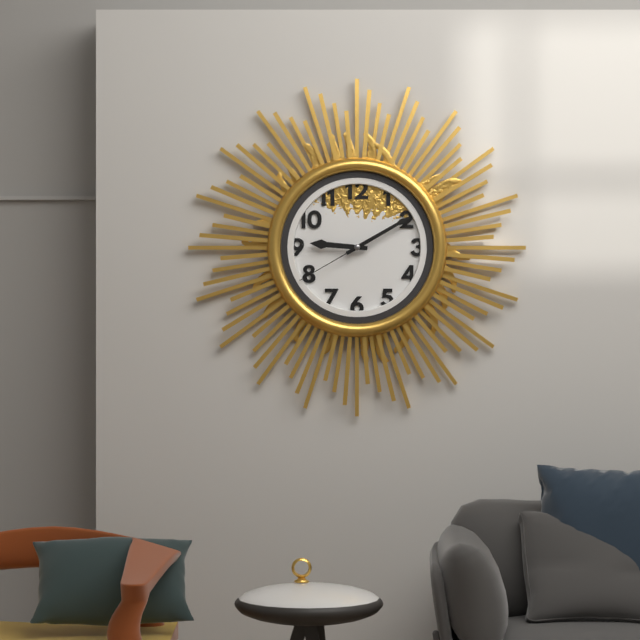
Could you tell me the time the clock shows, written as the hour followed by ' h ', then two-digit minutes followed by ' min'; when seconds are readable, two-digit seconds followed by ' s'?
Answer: 9 h 10 min 40 s
